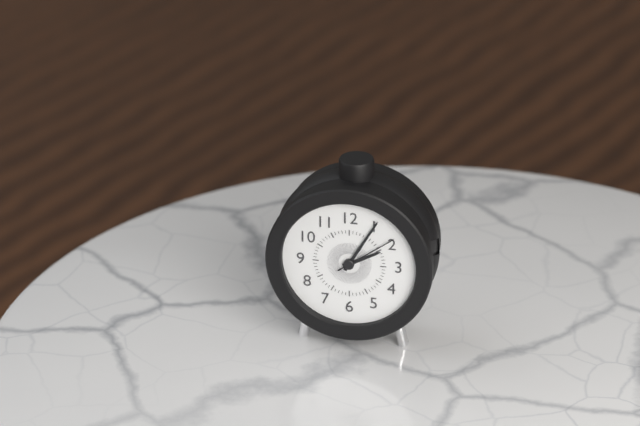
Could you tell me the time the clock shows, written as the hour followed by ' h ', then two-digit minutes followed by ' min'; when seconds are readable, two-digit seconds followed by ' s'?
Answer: 2 h 05 min 09 s
